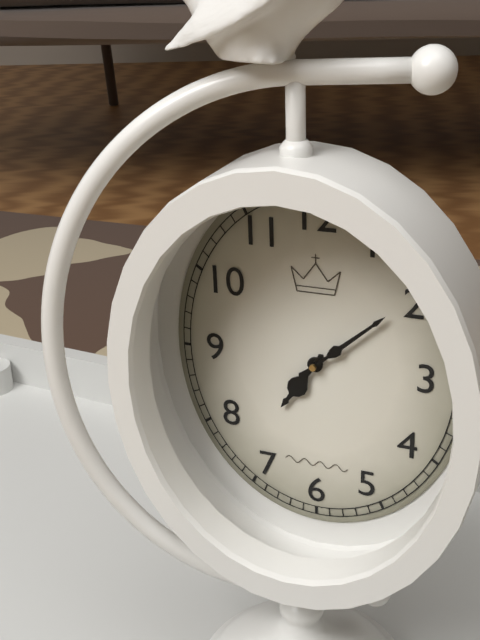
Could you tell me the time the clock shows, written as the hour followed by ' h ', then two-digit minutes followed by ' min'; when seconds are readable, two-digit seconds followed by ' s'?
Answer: 7 h 08 min
